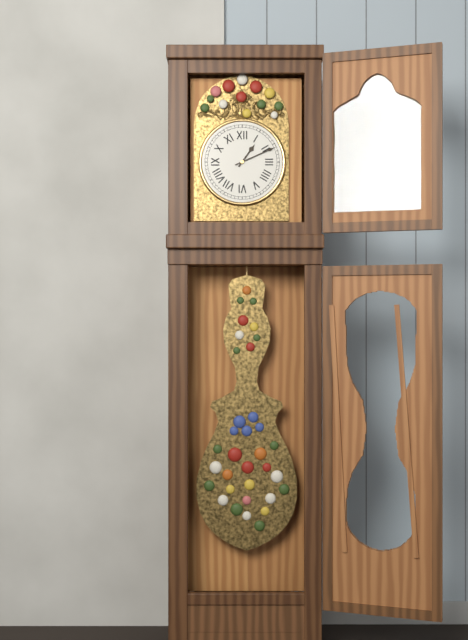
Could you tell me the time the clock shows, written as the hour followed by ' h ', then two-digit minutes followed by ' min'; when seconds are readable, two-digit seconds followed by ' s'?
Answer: 1 h 11 min
